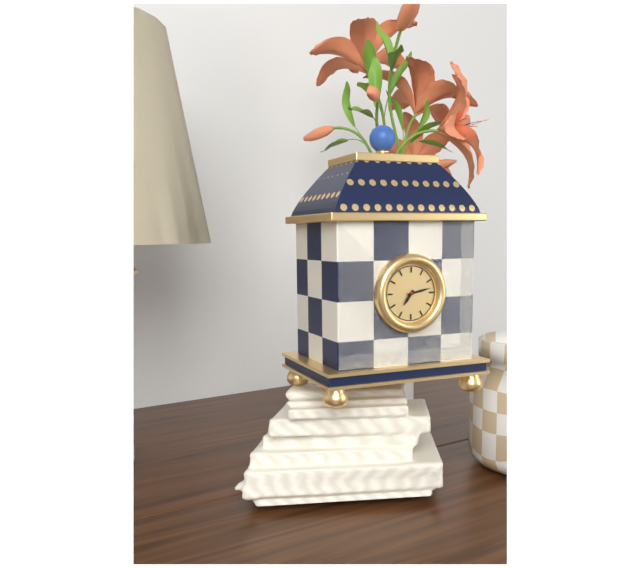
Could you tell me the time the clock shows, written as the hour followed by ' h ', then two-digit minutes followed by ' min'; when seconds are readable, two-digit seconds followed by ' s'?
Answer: 7 h 13 min
